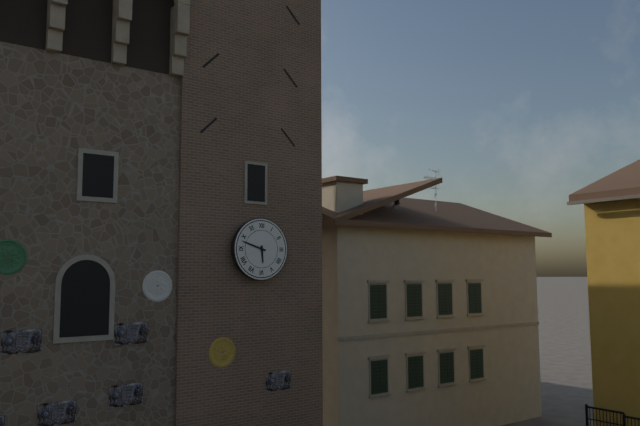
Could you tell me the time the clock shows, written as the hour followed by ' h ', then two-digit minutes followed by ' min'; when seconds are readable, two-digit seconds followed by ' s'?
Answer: 5 h 48 min
